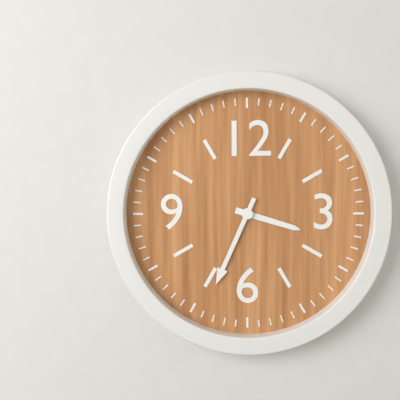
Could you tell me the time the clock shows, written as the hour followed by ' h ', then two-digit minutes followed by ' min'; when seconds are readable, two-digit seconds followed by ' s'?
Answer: 3 h 34 min
